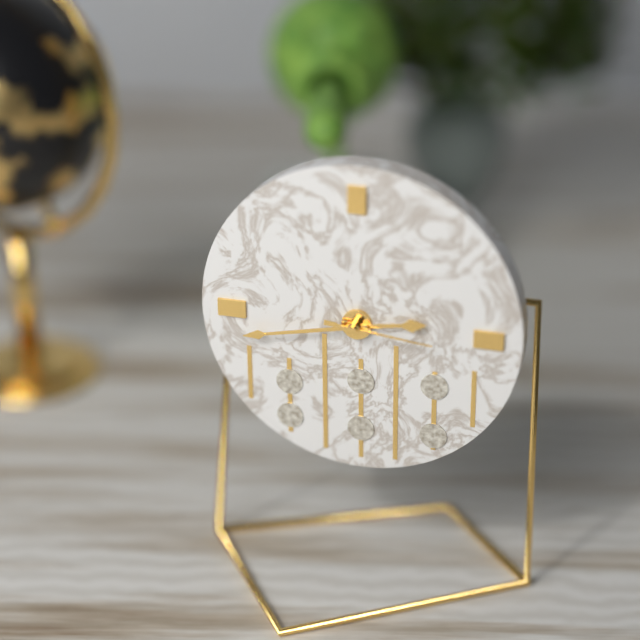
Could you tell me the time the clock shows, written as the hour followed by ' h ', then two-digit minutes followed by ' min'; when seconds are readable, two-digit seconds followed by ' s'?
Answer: 2 h 43 min 16 s
